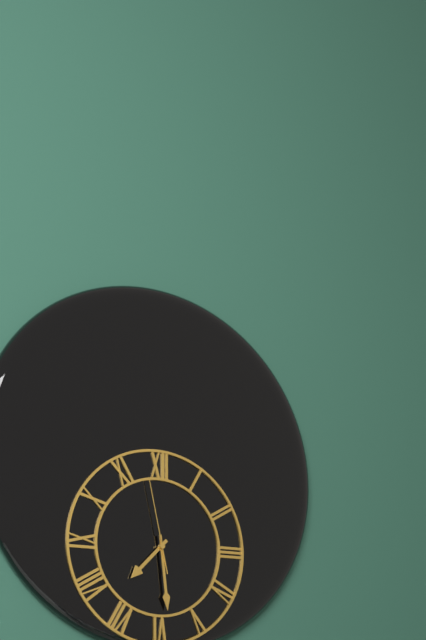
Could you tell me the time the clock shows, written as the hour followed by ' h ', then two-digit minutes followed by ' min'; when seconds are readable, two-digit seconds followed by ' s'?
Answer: 7 h 29 min 58 s
